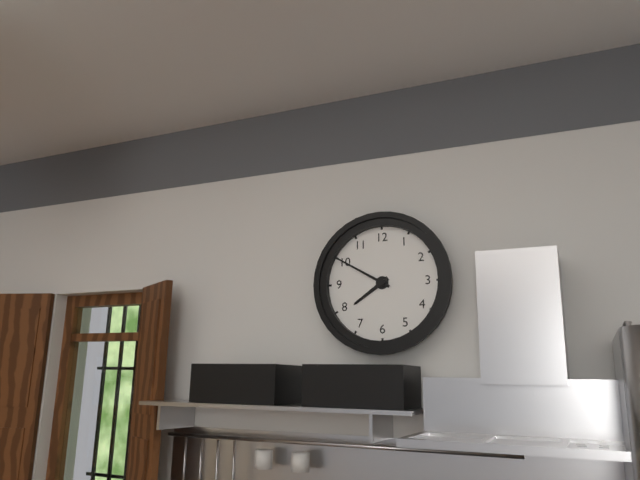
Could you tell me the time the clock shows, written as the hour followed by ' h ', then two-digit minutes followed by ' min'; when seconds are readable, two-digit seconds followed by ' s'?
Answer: 7 h 50 min
